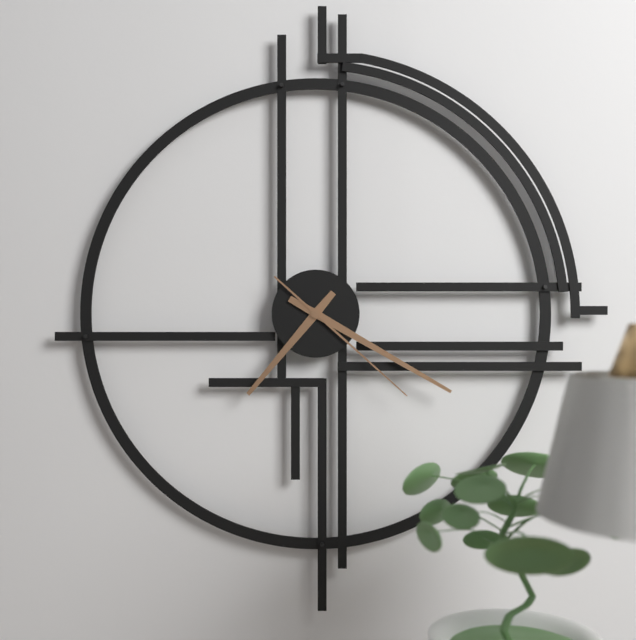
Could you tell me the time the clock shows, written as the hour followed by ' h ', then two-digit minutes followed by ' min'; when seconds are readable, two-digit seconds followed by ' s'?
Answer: 7 h 20 min 22 s
